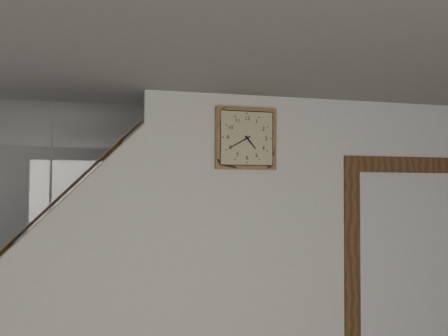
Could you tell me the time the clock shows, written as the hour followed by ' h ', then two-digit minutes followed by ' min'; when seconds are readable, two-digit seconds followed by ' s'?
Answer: 4 h 40 min
